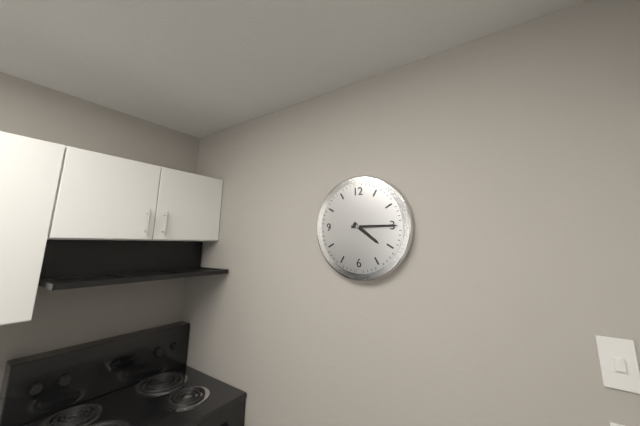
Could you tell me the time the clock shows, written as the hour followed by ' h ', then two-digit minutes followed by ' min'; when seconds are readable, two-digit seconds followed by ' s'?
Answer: 4 h 15 min
